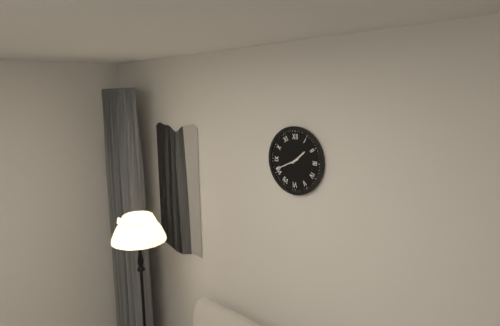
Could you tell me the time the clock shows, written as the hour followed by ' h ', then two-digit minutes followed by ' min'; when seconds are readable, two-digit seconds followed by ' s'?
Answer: 1 h 41 min
